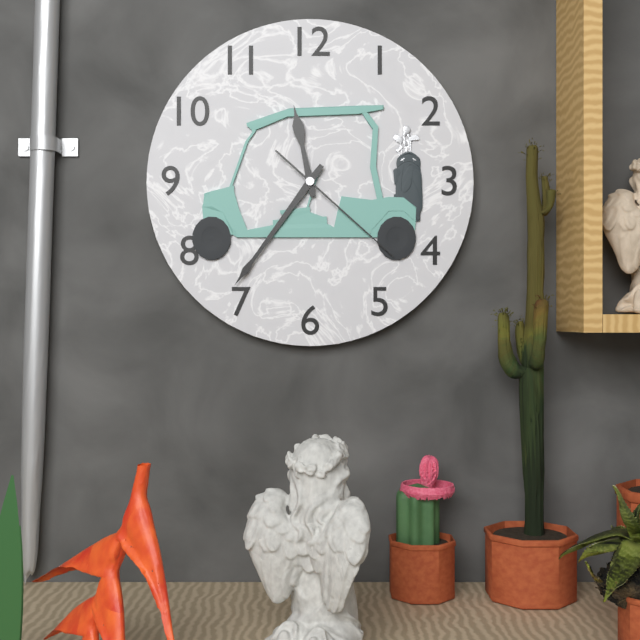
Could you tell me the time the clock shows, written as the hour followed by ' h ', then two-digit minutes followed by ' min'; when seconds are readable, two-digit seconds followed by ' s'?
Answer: 11 h 36 min 22 s
